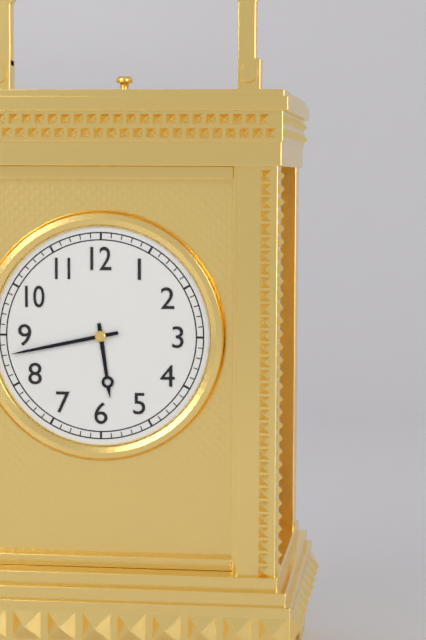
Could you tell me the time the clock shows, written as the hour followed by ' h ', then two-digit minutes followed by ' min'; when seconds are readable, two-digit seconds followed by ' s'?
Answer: 5 h 43 min
